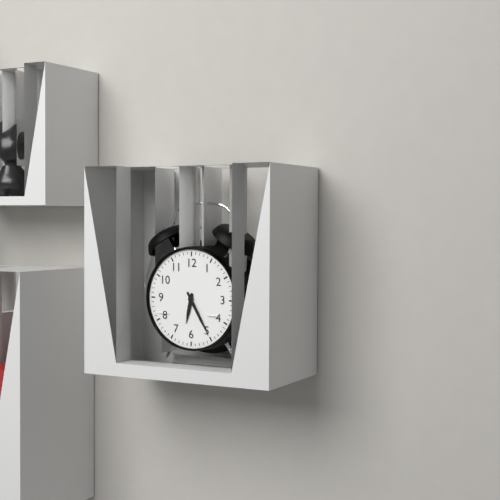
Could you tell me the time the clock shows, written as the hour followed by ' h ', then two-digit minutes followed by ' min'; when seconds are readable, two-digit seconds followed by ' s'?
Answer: 6 h 25 min
